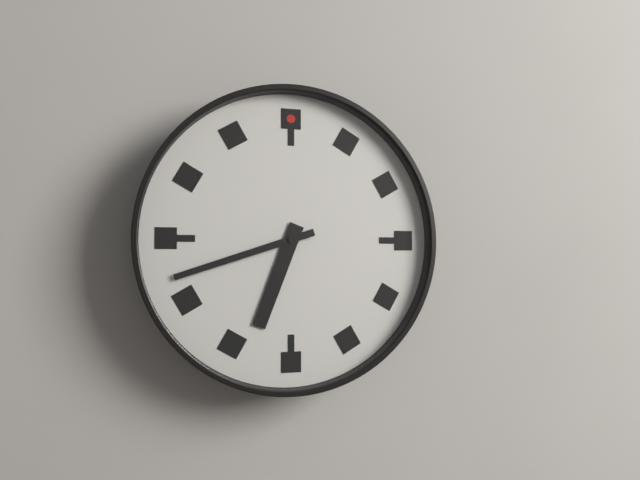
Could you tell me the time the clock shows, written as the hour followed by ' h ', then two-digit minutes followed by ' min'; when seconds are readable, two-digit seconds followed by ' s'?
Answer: 6 h 42 min
